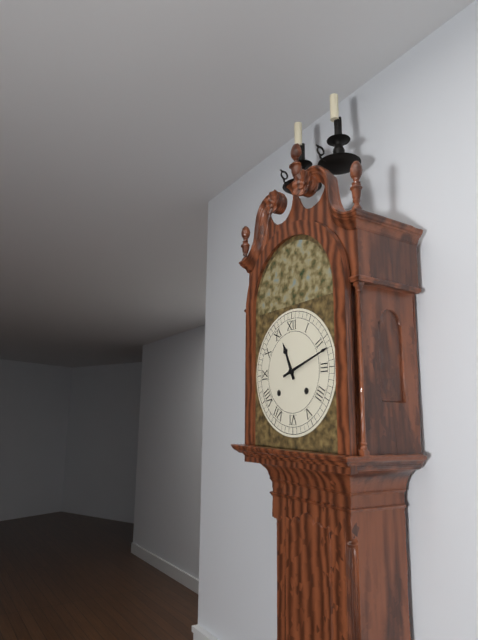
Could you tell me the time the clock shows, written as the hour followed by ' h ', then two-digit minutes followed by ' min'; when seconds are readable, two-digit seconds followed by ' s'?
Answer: 11 h 12 min
